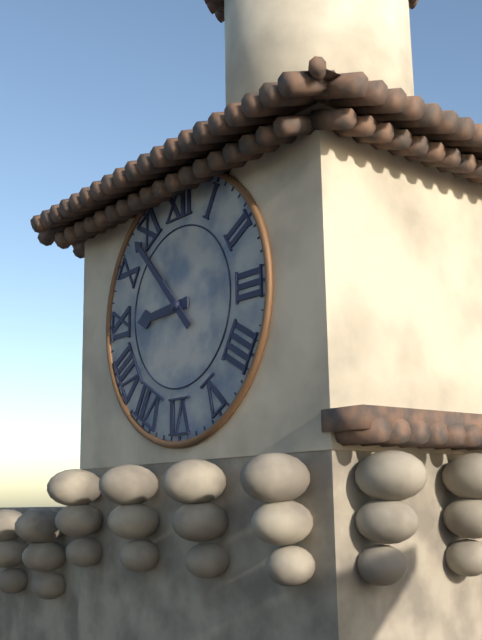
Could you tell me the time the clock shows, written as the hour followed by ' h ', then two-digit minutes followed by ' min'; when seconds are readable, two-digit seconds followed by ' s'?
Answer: 8 h 53 min
